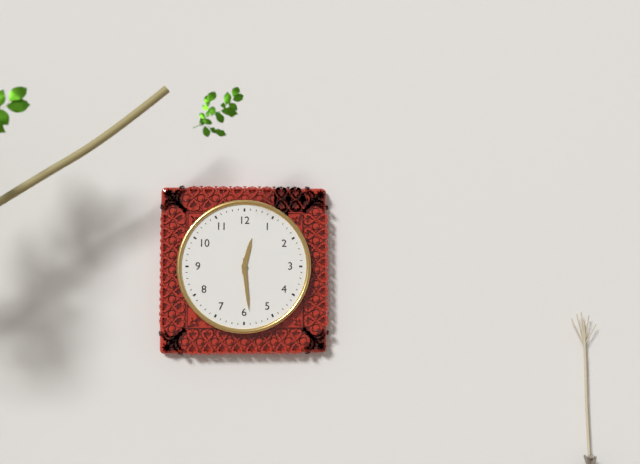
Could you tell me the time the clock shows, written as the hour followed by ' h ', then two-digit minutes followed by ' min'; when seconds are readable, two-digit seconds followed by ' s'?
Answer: 12 h 29 min
